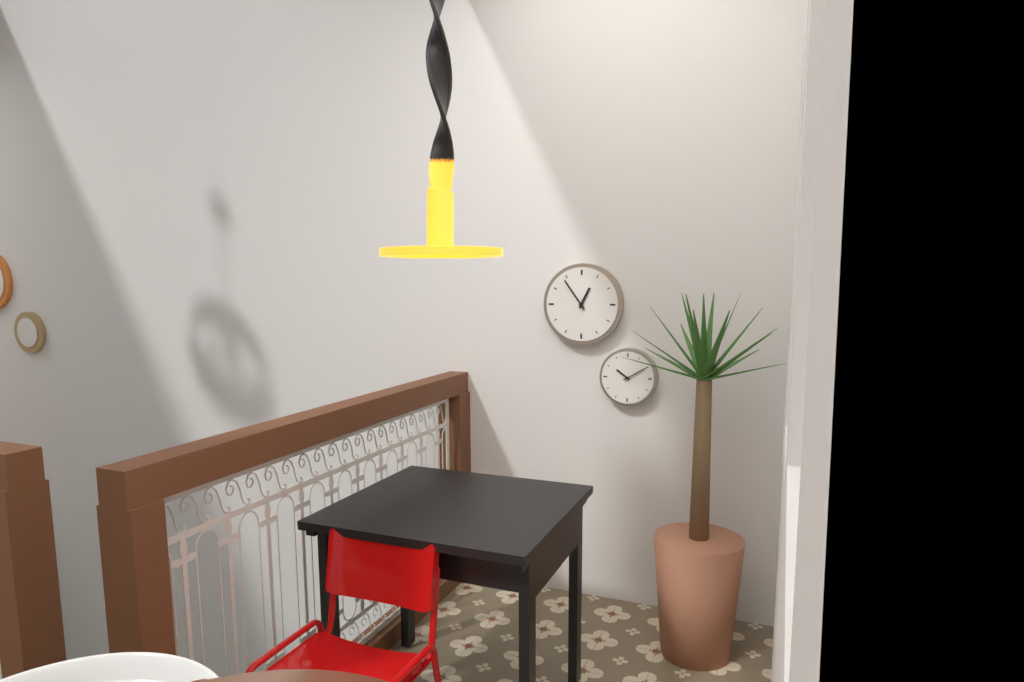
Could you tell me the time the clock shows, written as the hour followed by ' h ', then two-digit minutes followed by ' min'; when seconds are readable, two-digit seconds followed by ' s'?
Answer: 12 h 54 min
